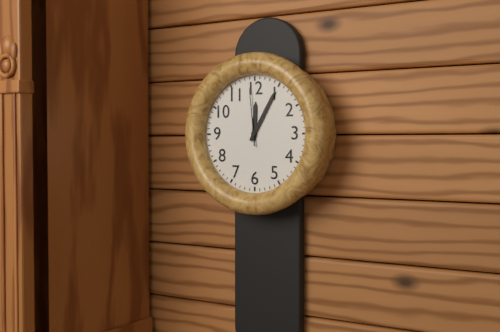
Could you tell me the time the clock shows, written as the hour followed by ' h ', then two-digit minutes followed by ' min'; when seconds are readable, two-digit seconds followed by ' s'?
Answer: 12 h 05 min 59 s
